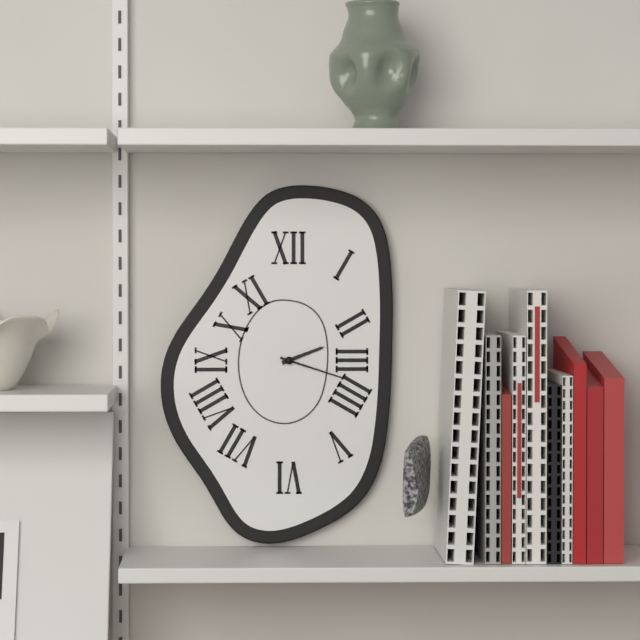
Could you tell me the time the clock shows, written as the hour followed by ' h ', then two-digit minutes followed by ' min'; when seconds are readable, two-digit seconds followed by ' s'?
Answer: 2 h 18 min
